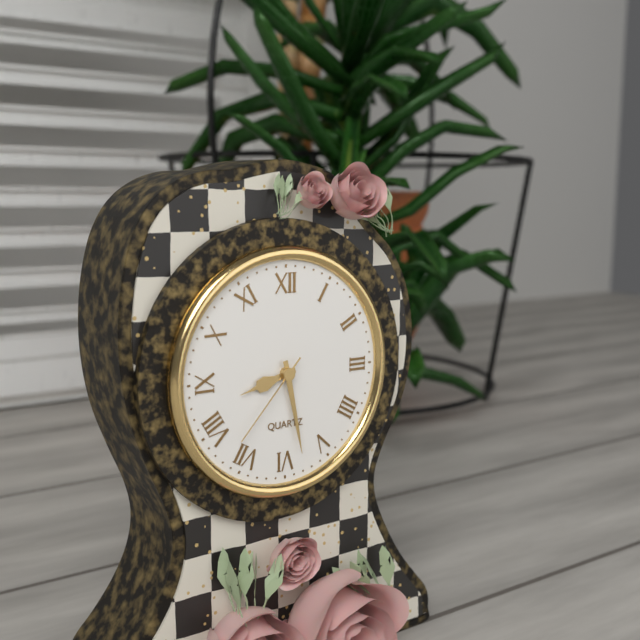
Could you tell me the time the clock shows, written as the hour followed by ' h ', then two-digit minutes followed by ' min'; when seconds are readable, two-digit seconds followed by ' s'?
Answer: 8 h 28 min 37 s
